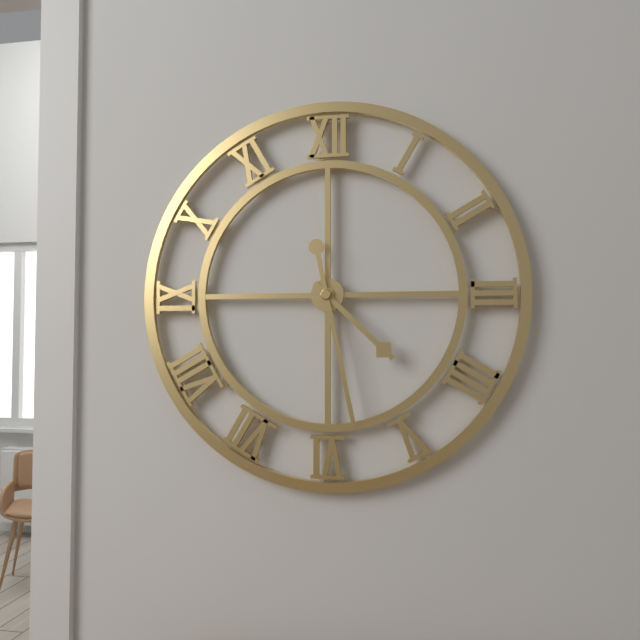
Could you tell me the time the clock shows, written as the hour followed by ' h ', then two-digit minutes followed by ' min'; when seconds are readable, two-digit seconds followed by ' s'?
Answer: 4 h 28 min
